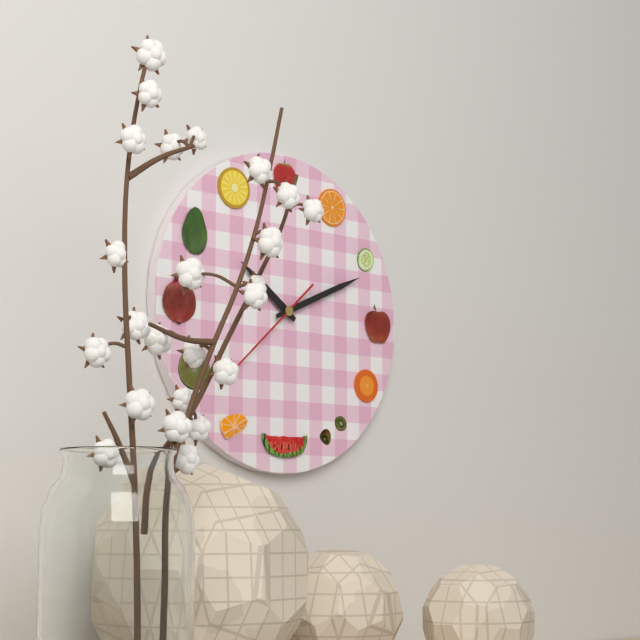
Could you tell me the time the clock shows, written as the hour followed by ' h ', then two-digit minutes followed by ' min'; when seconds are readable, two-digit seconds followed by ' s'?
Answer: 10 h 11 min 38 s
